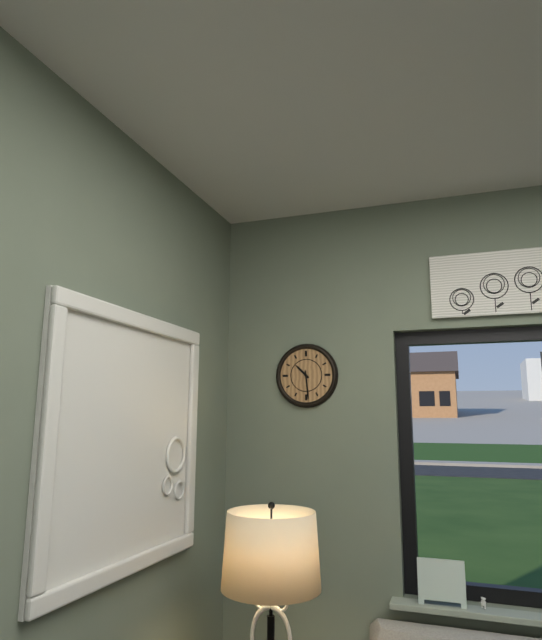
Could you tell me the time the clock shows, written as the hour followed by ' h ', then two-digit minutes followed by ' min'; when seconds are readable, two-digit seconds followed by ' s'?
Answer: 10 h 29 min
